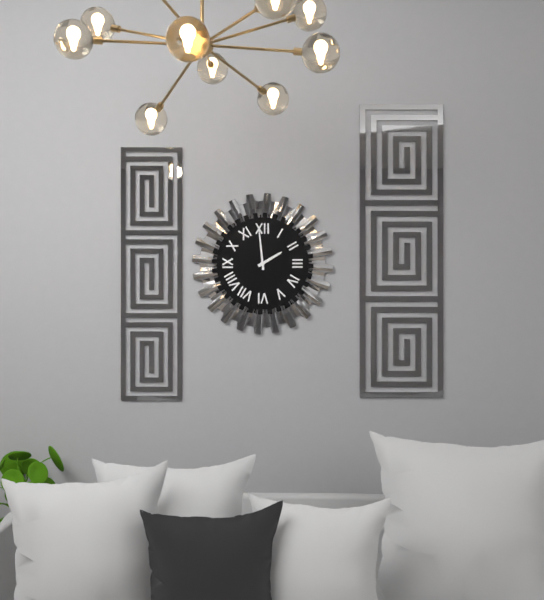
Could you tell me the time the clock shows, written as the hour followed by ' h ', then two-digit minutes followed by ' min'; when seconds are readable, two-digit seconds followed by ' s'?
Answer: 1 h 59 min
